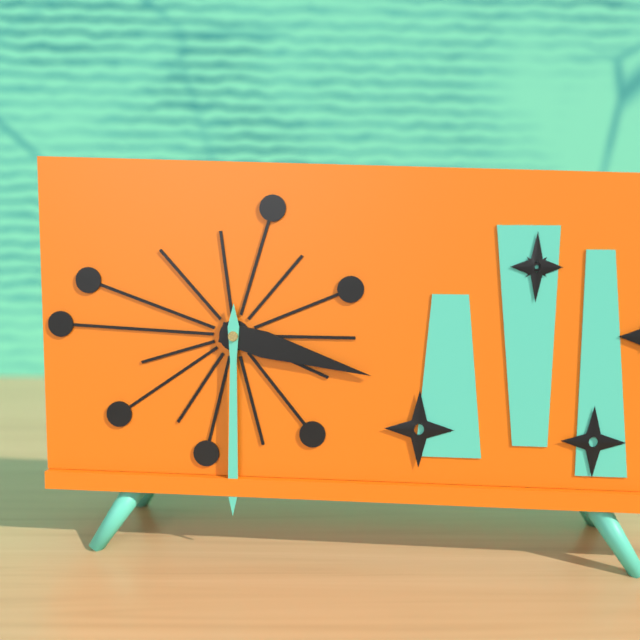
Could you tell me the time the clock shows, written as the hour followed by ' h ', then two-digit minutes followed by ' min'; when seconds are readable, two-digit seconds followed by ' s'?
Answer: 3 h 30 min
